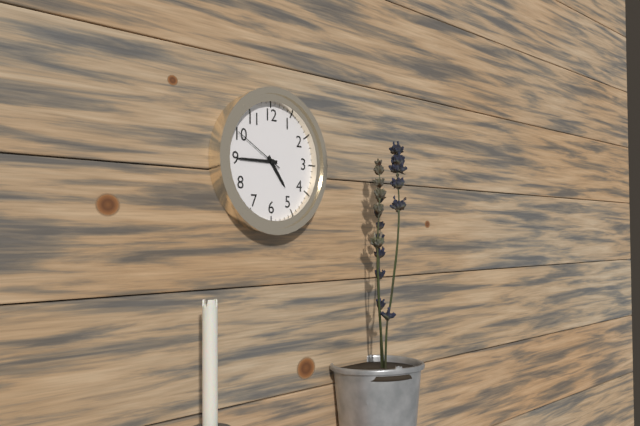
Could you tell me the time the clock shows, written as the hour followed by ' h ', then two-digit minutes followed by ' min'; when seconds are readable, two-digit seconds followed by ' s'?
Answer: 4 h 45 min 50 s
